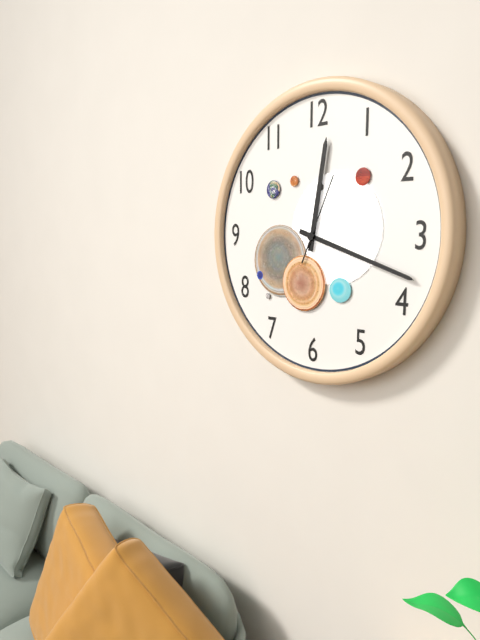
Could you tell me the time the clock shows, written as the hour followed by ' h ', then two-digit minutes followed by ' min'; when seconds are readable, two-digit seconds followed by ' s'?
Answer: 12 h 18 min 04 s
